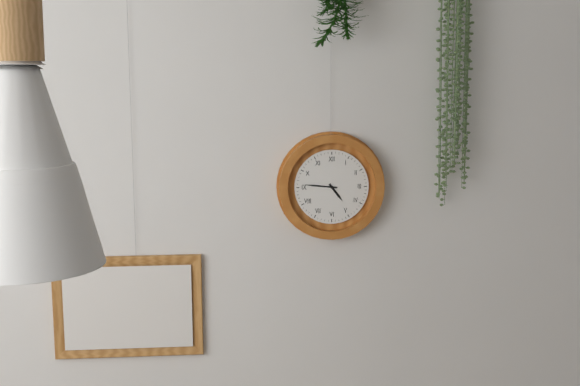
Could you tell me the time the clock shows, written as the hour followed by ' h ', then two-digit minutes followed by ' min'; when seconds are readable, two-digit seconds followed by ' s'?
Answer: 4 h 46 min
